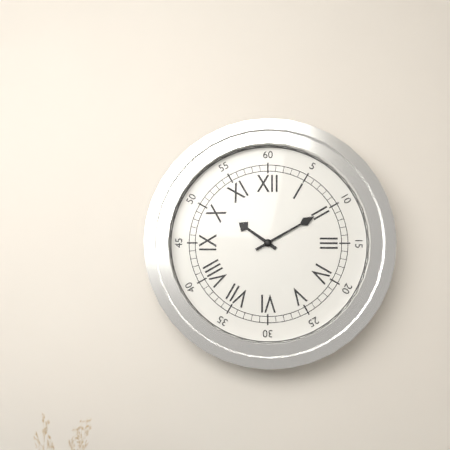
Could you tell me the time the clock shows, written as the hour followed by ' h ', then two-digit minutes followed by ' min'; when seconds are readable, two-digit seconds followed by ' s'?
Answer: 10 h 10 min
